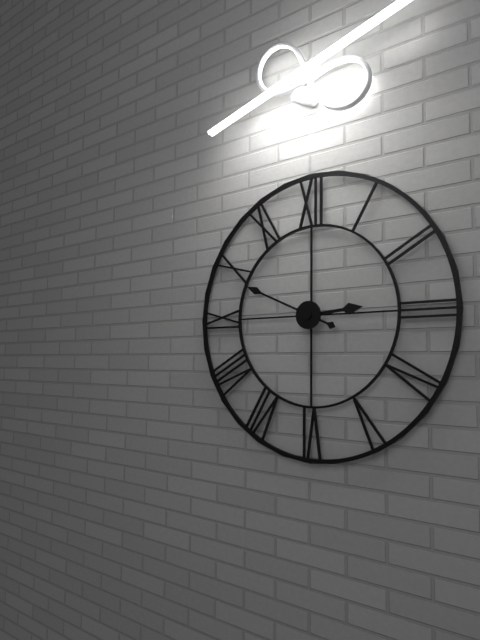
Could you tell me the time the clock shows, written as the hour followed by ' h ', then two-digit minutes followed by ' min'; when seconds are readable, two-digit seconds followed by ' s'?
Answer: 2 h 49 min
